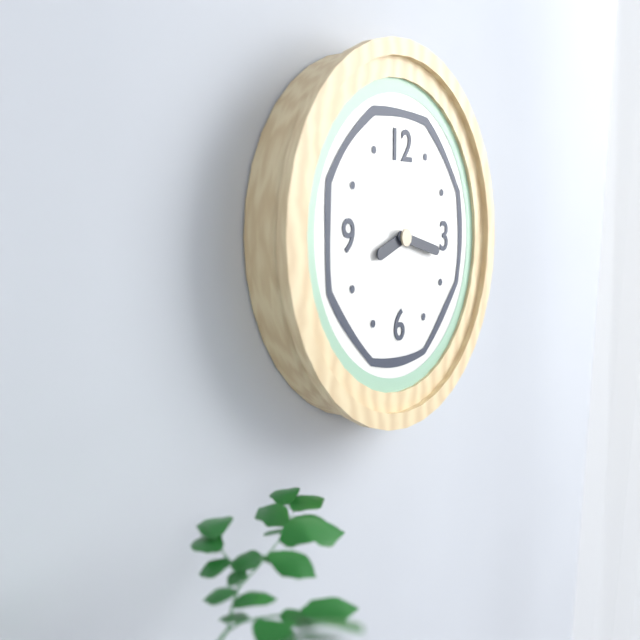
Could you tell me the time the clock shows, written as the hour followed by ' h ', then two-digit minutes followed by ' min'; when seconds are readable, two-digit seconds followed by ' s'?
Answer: 8 h 17 min
